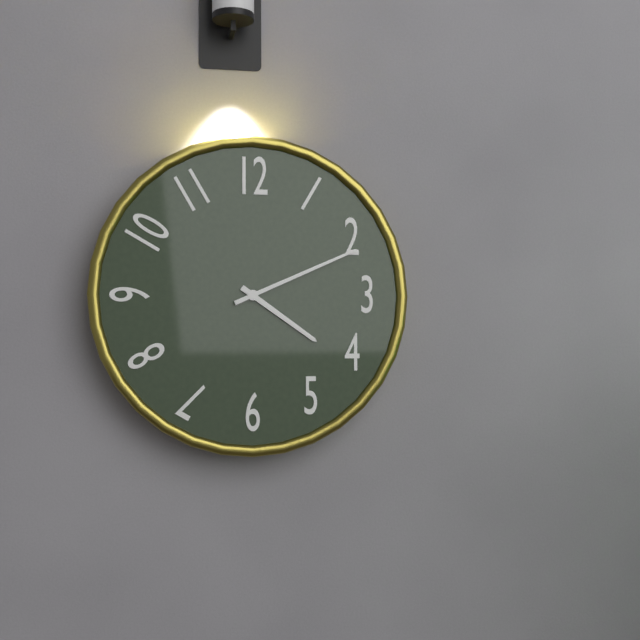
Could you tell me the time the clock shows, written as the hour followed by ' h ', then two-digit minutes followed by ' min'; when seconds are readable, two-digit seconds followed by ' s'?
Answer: 4 h 11 min
